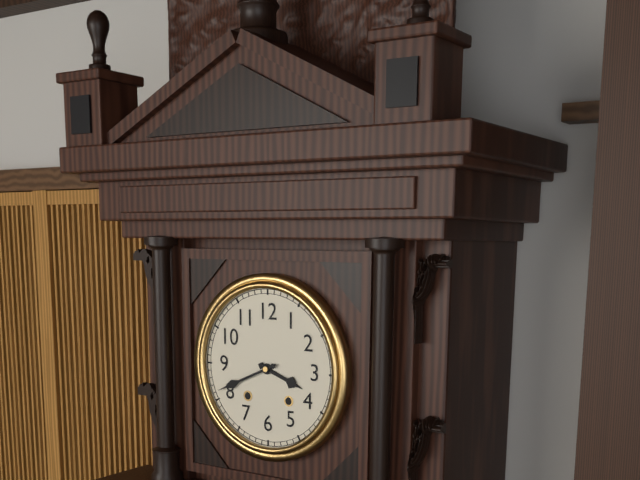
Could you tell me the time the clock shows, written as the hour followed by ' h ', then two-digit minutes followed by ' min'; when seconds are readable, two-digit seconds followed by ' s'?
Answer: 3 h 41 min
